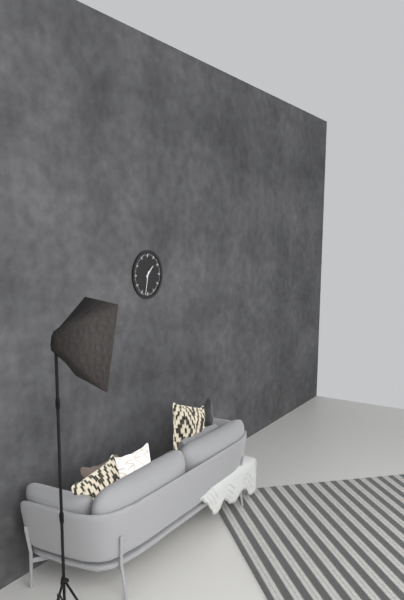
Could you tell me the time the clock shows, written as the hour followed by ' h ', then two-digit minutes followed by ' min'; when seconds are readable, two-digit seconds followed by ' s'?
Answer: 1 h 32 min
